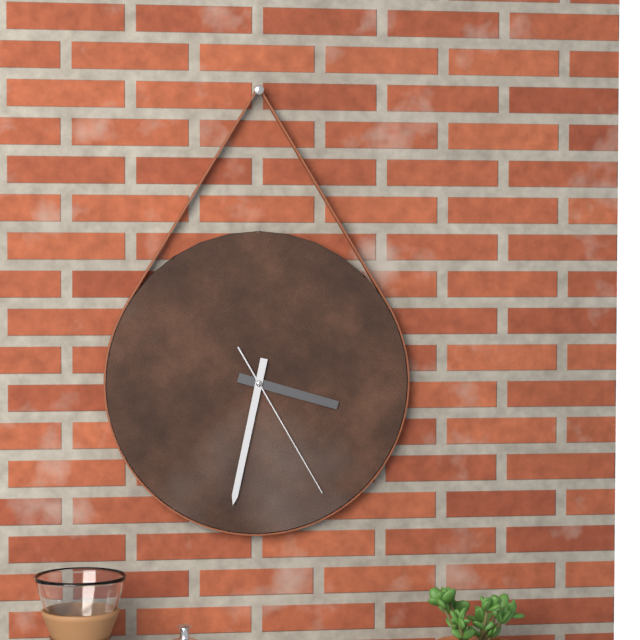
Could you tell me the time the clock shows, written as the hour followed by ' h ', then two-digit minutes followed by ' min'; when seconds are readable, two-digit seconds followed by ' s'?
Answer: 3 h 32 min 25 s
